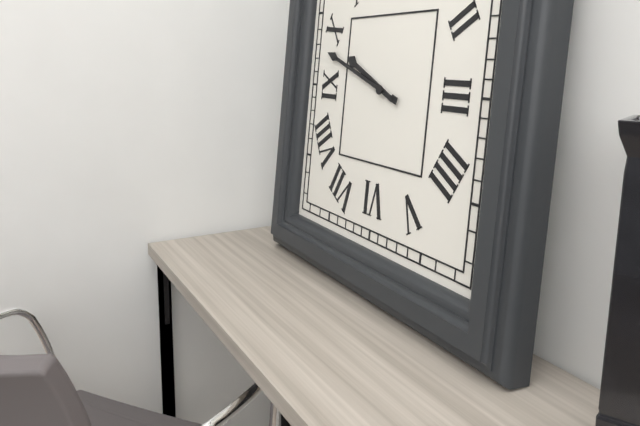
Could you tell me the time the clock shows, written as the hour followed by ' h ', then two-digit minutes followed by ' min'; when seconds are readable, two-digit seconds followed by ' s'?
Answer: 9 h 48 min
